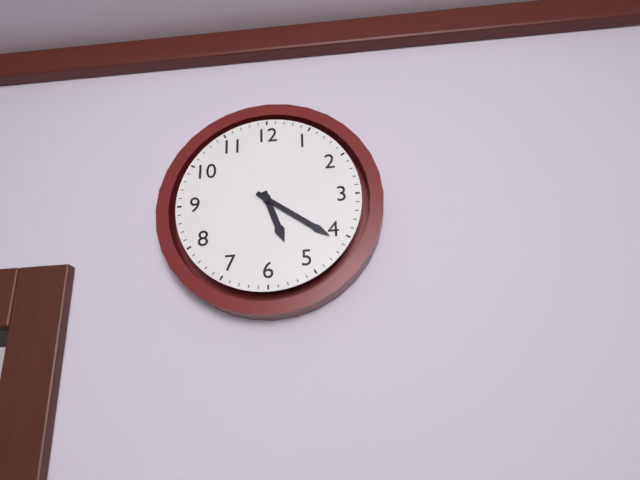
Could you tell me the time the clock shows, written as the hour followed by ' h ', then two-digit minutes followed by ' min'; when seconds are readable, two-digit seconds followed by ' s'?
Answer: 5 h 21 min
